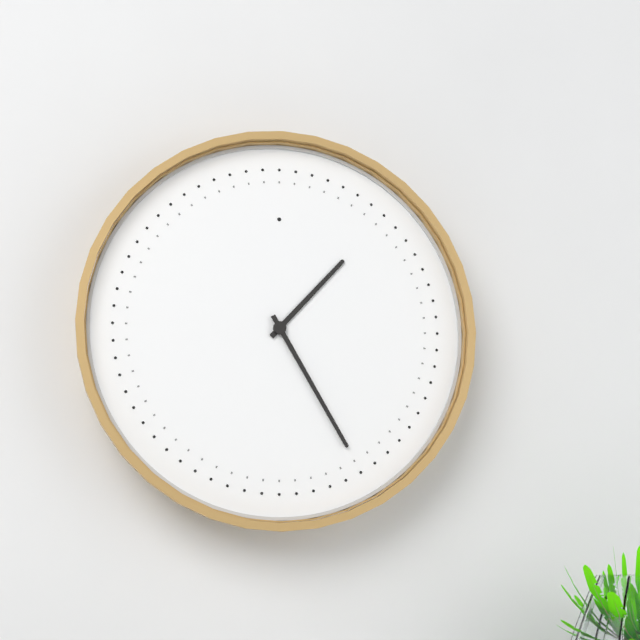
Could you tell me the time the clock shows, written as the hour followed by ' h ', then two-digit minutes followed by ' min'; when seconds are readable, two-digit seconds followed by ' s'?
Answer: 1 h 25 min
